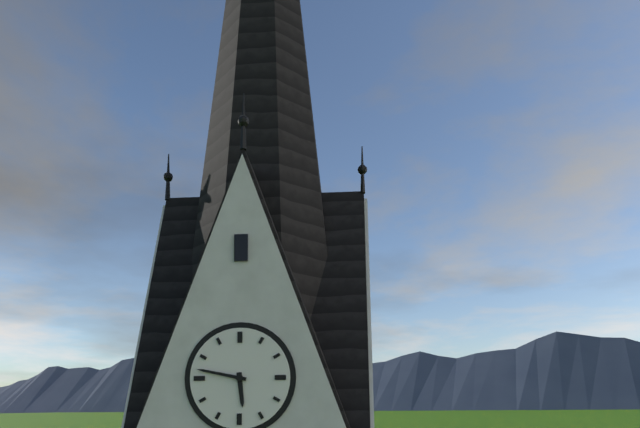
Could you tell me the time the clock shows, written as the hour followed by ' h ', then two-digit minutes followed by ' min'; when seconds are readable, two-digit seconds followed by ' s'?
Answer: 5 h 47 min
